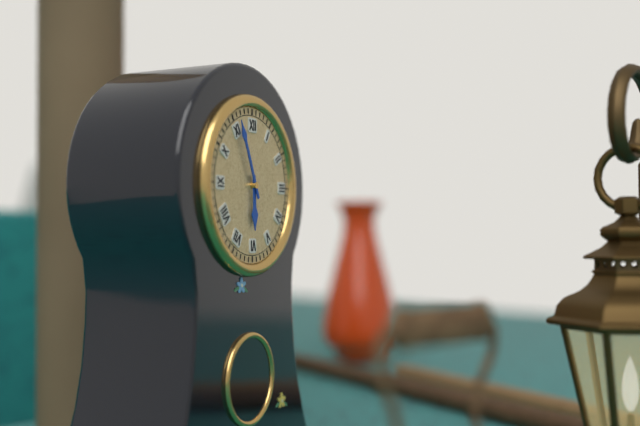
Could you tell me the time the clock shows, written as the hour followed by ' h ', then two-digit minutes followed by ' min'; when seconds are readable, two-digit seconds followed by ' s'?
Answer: 5 h 56 min
